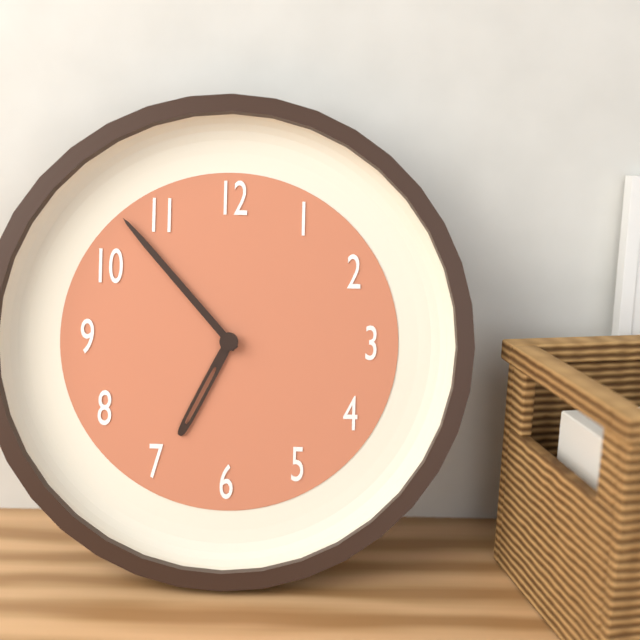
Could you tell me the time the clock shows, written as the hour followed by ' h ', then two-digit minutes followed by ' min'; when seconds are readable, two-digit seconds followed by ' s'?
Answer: 6 h 53 min
